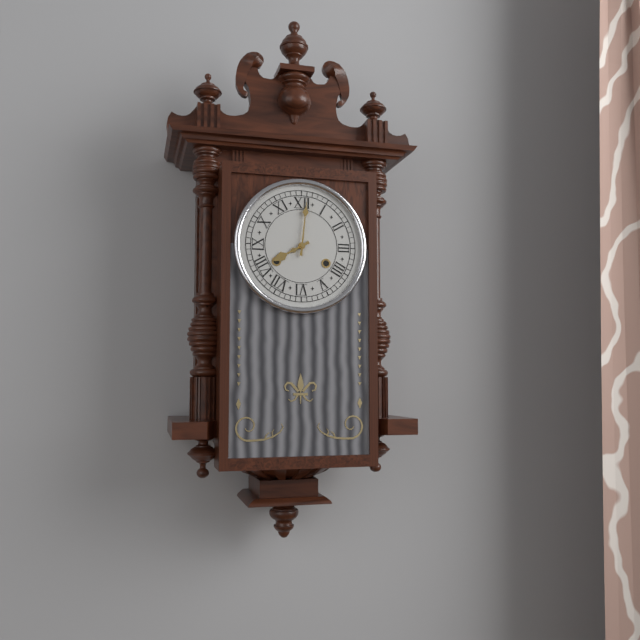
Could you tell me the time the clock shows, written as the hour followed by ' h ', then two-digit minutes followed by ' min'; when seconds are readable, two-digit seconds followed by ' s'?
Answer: 8 h 01 min
